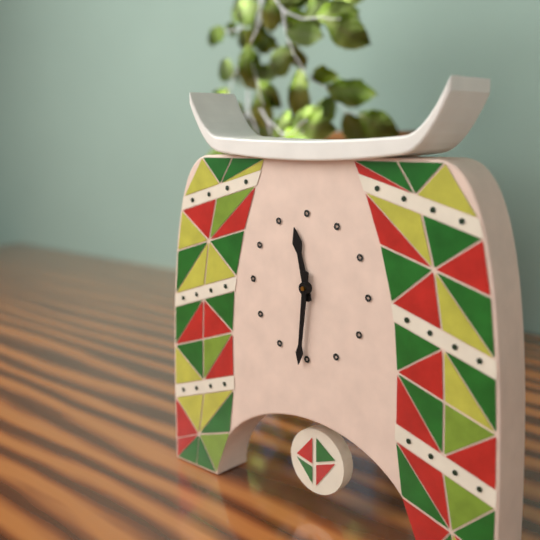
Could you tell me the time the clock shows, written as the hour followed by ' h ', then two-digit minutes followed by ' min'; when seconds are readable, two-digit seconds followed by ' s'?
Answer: 11 h 31 min
